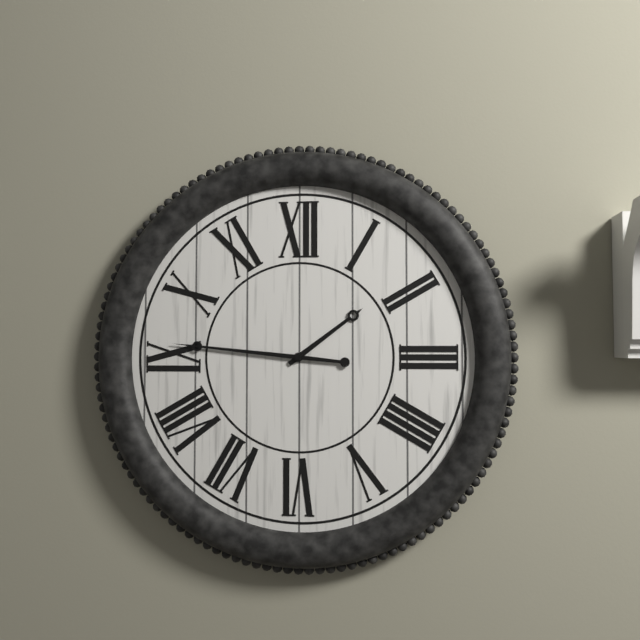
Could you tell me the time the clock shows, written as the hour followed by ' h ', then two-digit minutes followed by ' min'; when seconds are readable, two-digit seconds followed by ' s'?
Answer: 1 h 46 min
